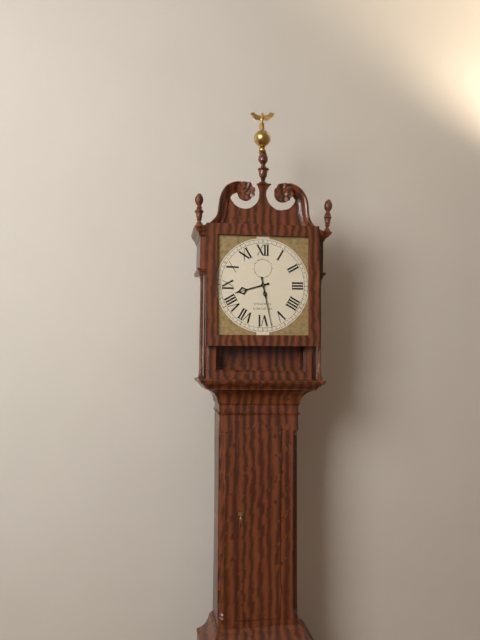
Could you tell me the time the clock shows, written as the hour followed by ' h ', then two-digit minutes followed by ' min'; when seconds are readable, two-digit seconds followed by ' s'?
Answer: 8 h 28 min
